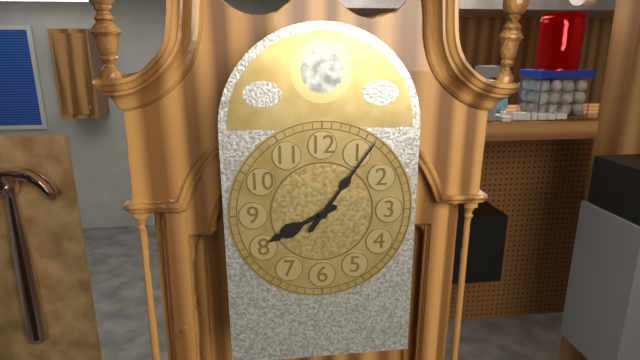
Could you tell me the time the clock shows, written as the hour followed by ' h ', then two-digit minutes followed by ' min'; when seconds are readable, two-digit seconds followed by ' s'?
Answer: 8 h 06 min
